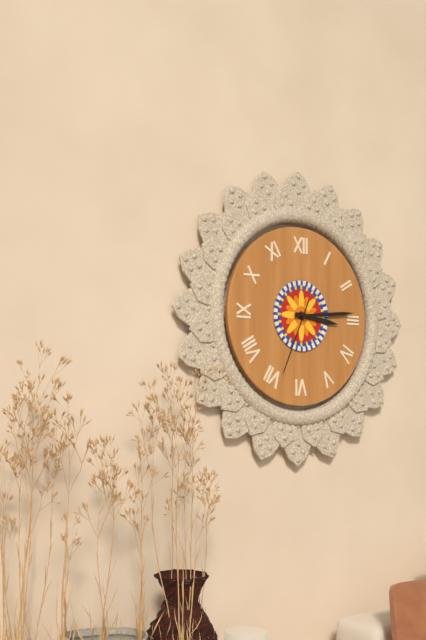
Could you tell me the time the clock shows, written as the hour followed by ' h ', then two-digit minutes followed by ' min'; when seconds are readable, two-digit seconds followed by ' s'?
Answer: 3 h 14 min 34 s
